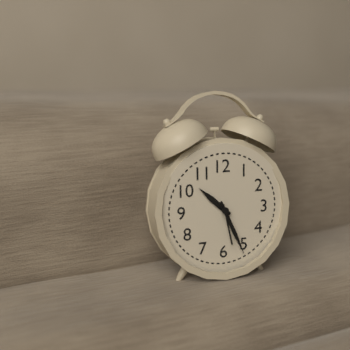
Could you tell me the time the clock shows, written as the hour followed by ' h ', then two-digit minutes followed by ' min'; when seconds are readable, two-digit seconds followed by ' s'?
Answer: 10 h 26 min
